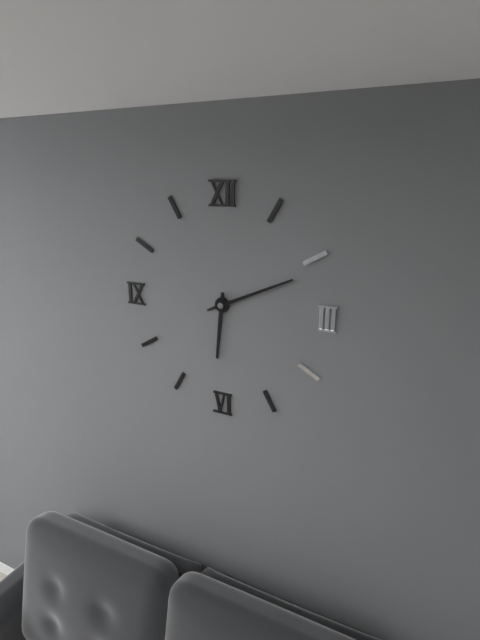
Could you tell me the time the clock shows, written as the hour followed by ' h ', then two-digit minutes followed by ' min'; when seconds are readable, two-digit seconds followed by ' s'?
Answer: 6 h 11 min
